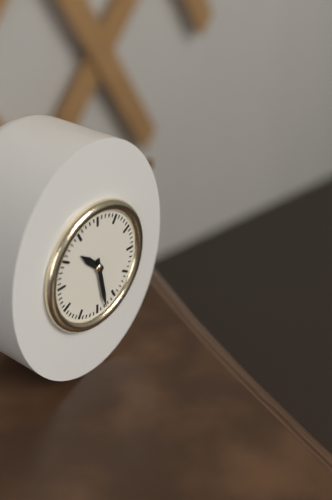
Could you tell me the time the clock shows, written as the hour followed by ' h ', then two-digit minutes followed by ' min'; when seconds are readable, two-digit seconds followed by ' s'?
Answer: 10 h 28 min
